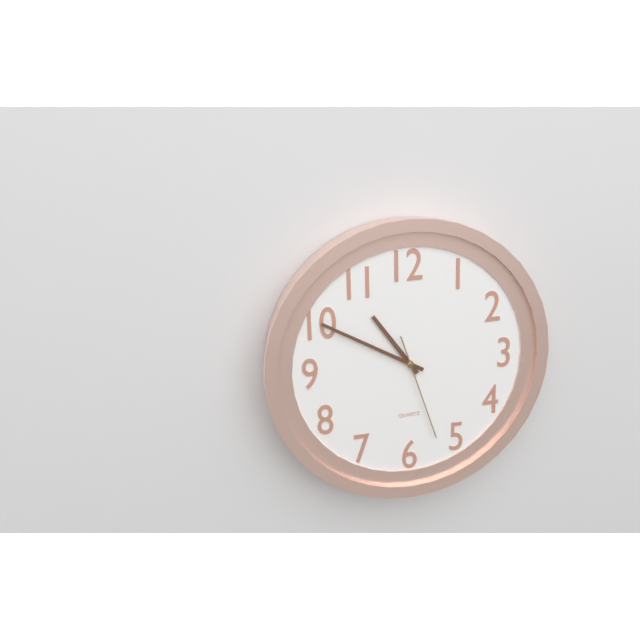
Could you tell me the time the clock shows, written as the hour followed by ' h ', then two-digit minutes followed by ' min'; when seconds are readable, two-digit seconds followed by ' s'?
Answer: 10 h 50 min 27 s
